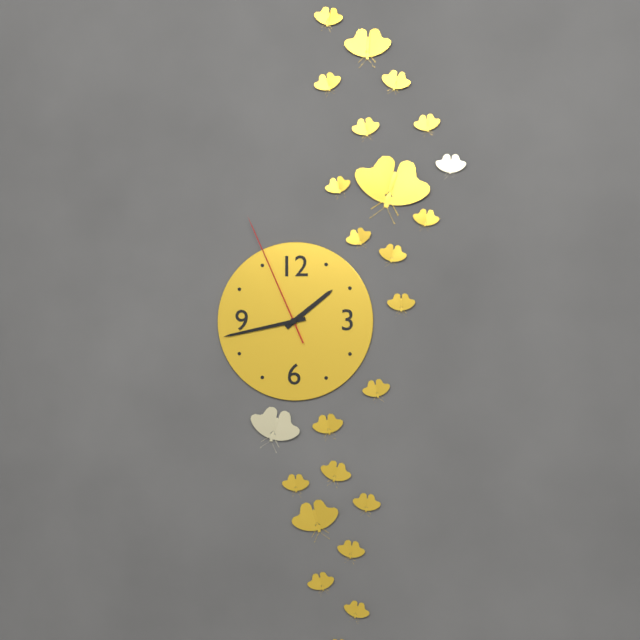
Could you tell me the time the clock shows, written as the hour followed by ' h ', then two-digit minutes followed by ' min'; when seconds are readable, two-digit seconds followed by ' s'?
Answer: 1 h 43 min 56 s
